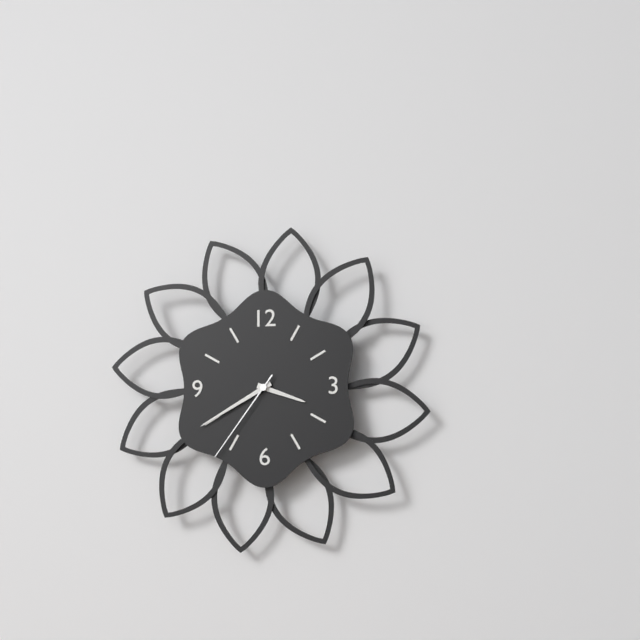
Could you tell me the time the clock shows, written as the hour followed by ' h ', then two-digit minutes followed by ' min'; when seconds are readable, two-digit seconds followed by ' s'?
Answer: 3 h 40 min 36 s
